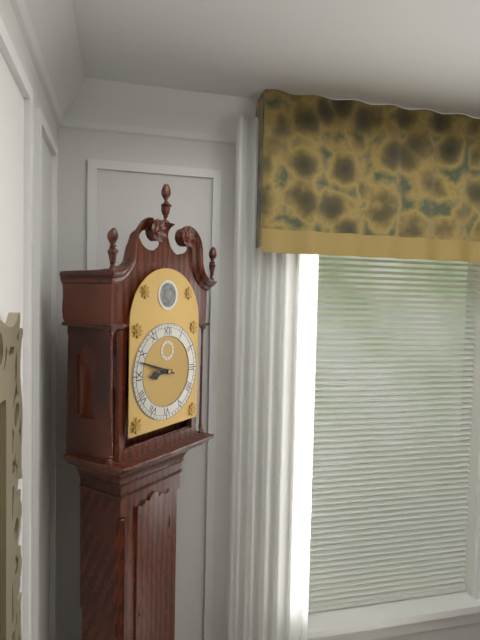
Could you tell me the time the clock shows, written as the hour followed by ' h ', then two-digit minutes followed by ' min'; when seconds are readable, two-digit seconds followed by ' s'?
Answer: 8 h 48 min
